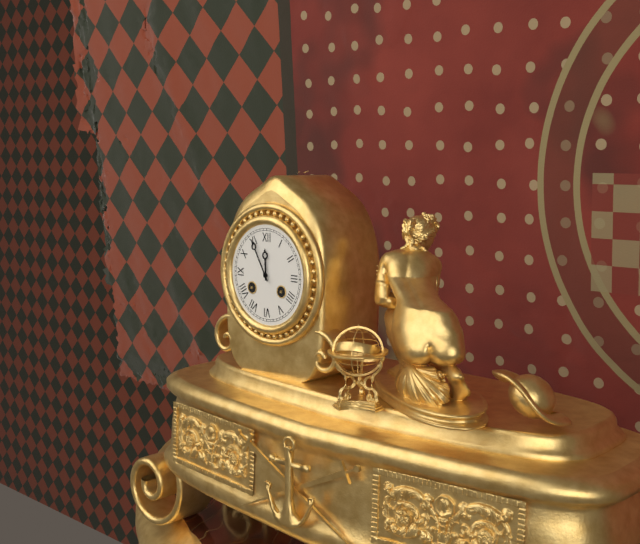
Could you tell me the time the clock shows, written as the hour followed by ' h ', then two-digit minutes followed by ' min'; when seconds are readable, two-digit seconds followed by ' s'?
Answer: 11 h 55 min
